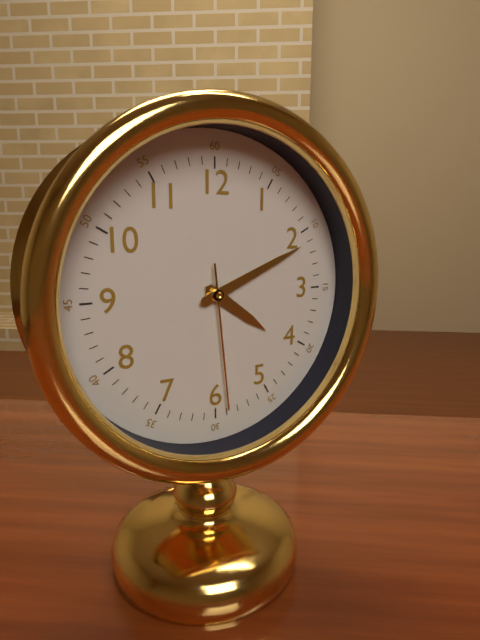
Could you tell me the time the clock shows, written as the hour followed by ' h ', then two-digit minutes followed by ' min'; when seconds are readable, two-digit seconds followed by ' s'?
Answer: 4 h 11 min 29 s
